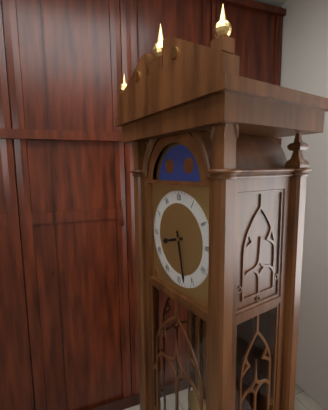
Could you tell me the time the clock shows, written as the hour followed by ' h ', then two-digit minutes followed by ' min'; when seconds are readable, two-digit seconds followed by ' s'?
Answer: 8 h 28 min
